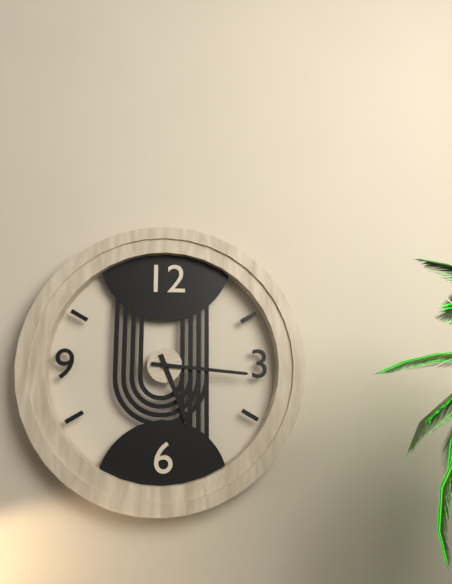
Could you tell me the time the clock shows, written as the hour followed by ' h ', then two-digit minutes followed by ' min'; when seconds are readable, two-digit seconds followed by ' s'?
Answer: 5 h 16 min
